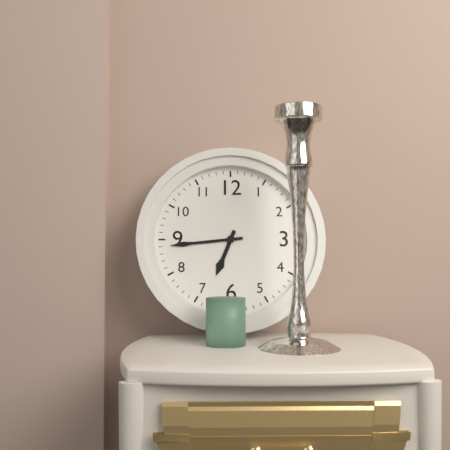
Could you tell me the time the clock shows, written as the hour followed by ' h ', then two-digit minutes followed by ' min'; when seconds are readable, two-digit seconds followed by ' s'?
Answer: 6 h 44 min
